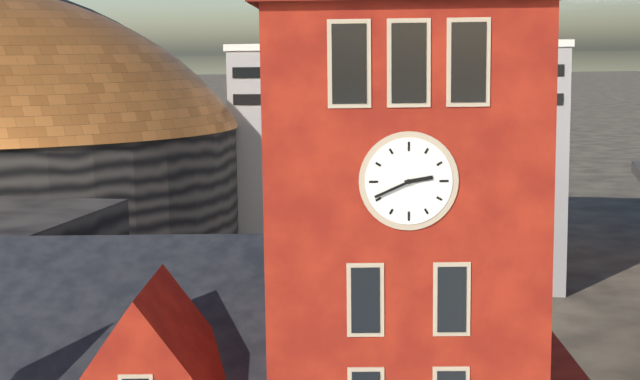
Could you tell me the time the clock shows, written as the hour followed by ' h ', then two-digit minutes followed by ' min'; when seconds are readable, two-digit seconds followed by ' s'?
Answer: 2 h 41 min
